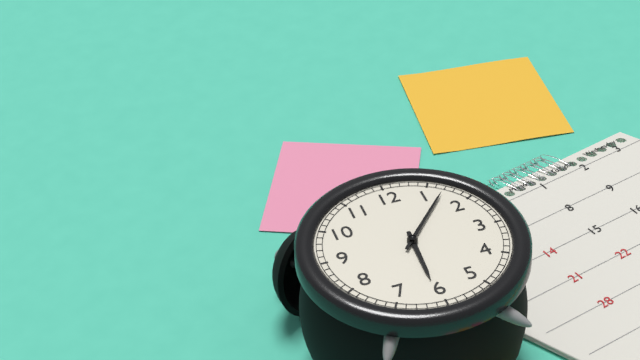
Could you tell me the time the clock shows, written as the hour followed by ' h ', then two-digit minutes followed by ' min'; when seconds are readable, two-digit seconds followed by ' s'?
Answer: 6 h 07 min
